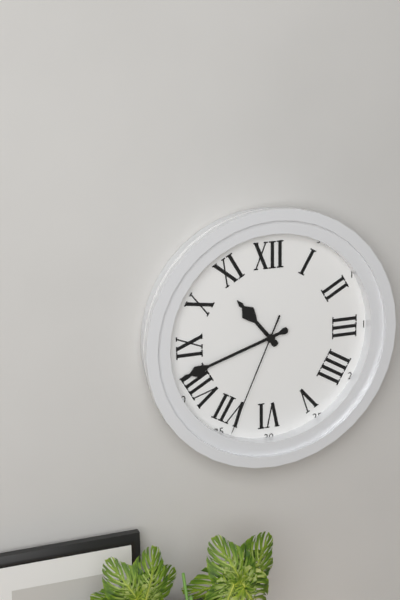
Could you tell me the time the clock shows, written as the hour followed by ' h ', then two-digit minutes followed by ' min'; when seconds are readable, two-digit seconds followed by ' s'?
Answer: 10 h 42 min 34 s
